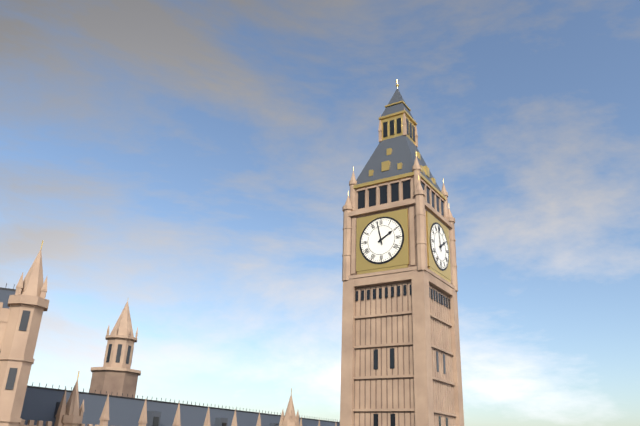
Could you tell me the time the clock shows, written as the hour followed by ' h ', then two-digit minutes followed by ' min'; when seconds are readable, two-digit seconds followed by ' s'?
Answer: 1 h 58 min
